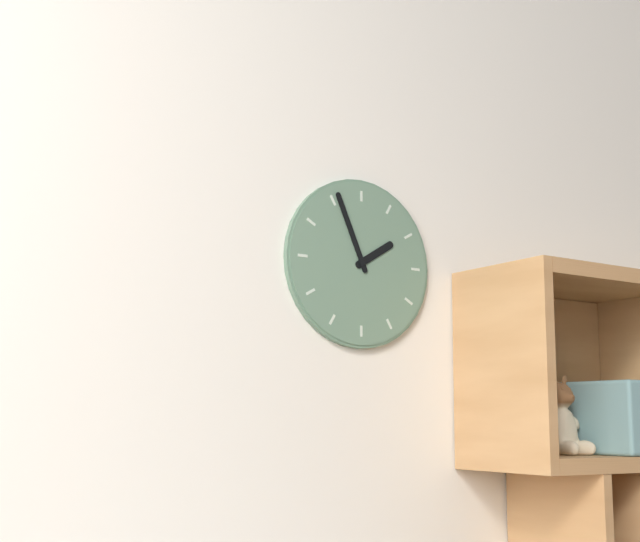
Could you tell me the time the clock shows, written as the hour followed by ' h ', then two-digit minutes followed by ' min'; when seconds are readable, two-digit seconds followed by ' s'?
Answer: 1 h 56 min
